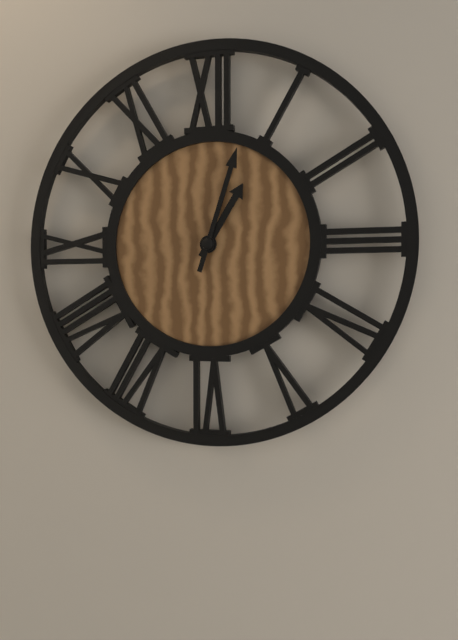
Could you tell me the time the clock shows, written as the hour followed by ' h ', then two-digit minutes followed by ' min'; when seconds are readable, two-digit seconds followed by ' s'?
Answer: 1 h 03 min
